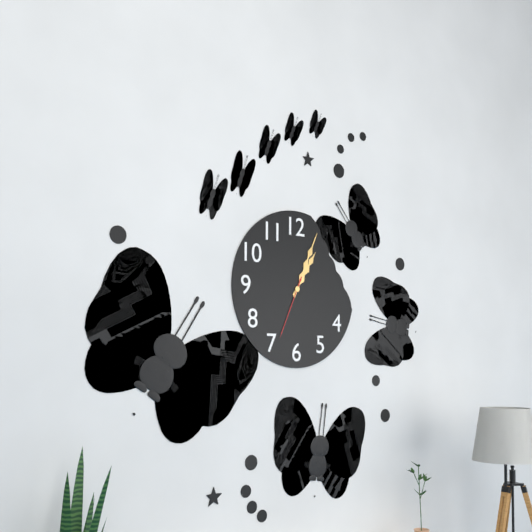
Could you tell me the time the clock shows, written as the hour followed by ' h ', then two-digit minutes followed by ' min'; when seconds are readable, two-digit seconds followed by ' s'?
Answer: 1 h 04 min 34 s
